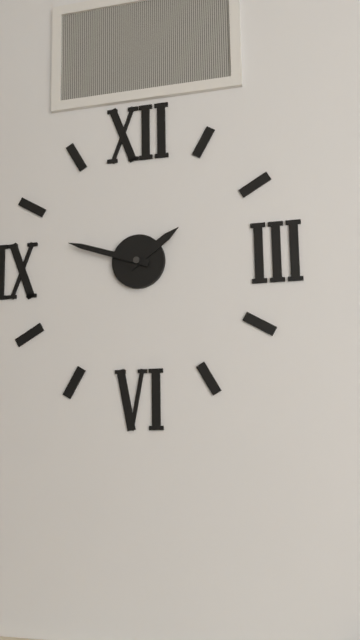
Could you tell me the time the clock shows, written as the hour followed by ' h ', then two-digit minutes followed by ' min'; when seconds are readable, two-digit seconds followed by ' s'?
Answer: 1 h 48 min
